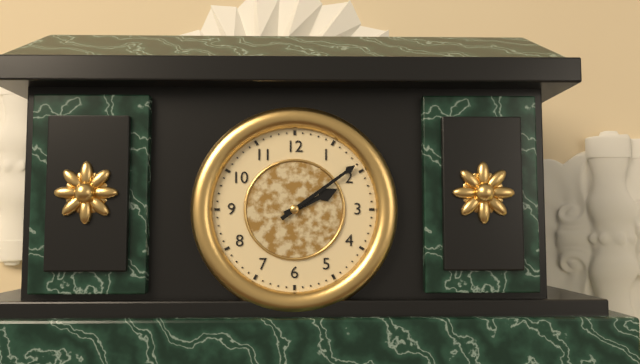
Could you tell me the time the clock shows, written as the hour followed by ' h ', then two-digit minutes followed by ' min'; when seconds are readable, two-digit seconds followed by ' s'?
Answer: 2 h 09 min
